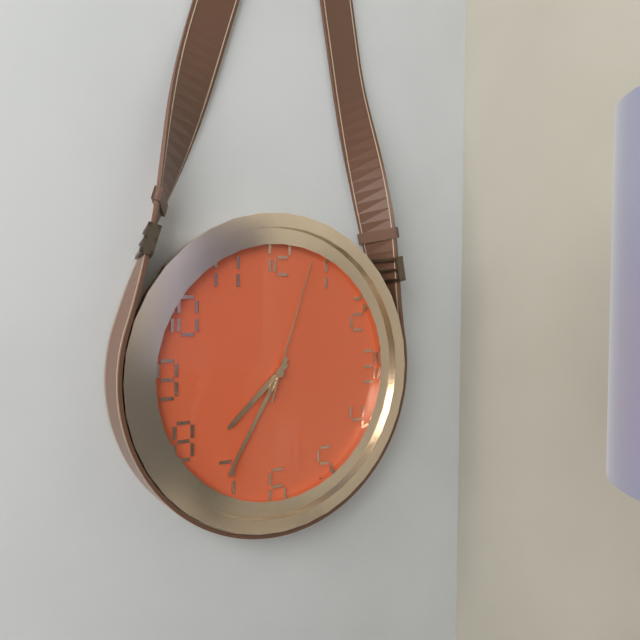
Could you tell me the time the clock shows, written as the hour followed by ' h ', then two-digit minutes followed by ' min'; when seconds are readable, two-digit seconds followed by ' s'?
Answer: 7 h 35 min 03 s
